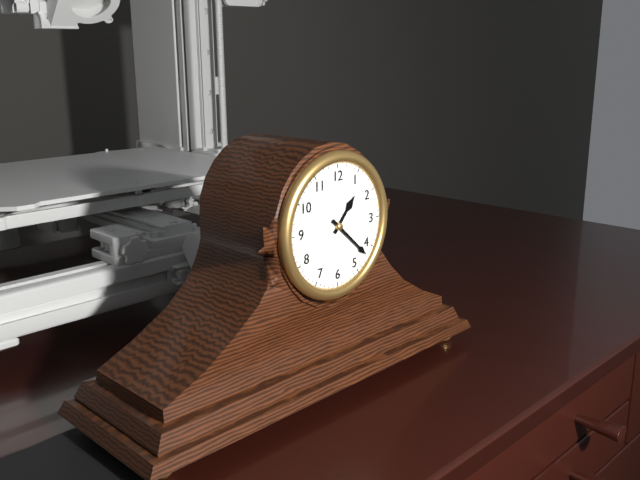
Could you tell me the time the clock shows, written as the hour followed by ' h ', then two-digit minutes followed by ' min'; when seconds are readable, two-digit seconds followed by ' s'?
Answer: 1 h 22 min
